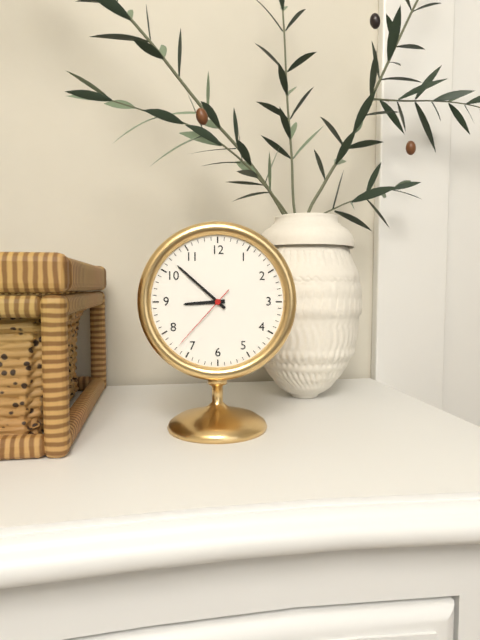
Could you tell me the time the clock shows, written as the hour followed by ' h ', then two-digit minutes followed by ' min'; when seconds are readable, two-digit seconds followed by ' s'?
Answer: 8 h 52 min 37 s
